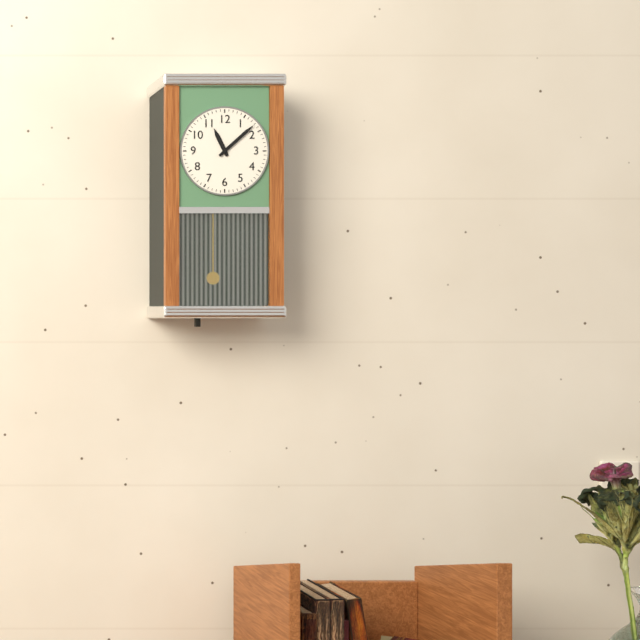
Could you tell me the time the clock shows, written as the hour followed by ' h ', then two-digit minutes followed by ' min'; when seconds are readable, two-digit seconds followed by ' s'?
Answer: 11 h 08 min
